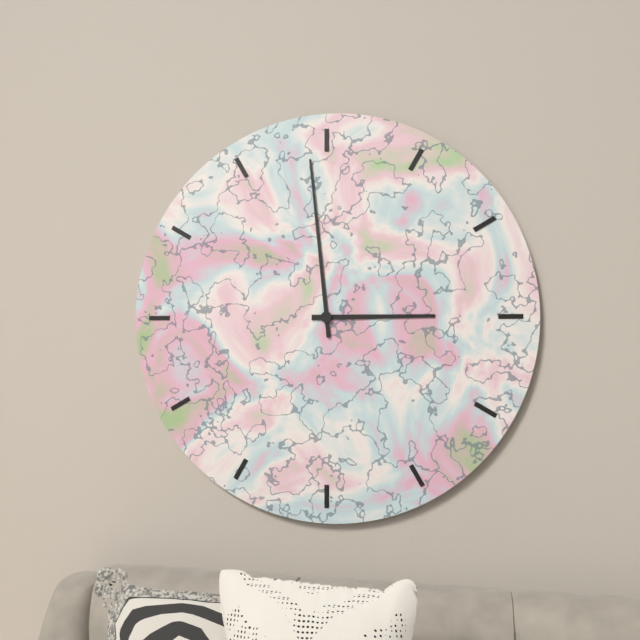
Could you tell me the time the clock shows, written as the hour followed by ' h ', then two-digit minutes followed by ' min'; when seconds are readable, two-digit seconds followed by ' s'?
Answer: 2 h 59 min
